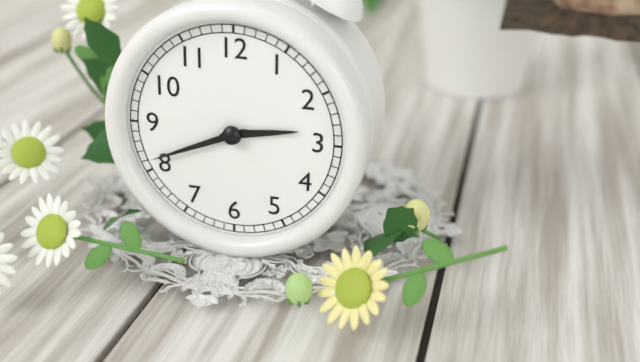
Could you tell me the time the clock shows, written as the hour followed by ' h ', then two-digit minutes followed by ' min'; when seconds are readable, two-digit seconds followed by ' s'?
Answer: 2 h 41 min
